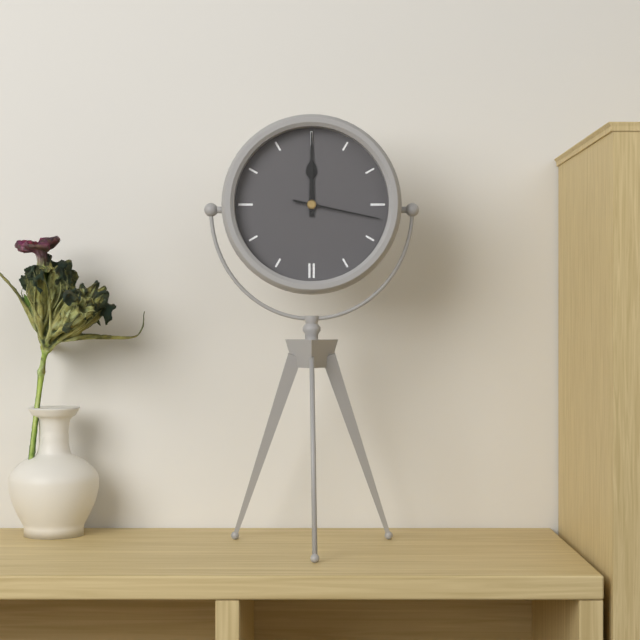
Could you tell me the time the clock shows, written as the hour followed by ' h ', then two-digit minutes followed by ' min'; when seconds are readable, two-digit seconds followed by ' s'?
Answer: 12 h 00 min 17 s
